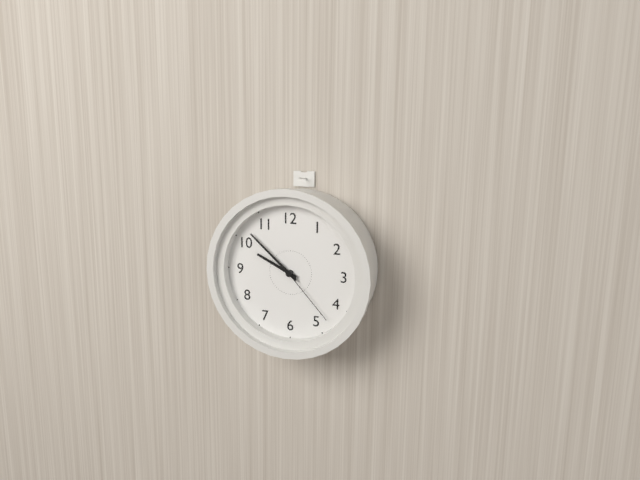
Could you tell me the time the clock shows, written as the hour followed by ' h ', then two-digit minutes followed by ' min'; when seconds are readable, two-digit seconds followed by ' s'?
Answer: 9 h 52 min 23 s
